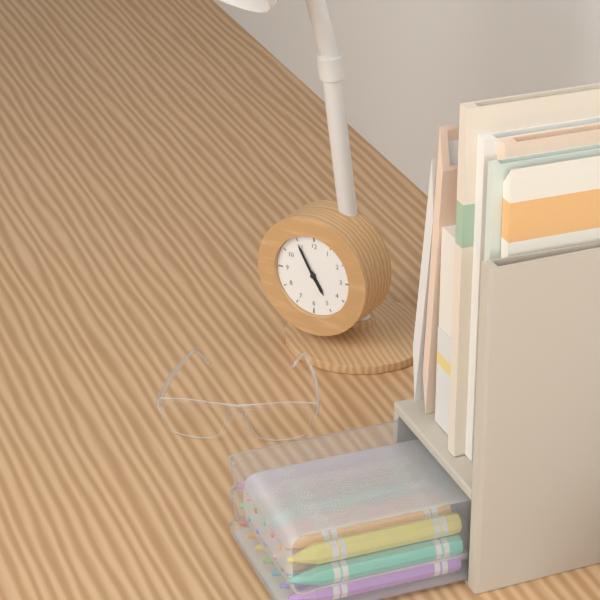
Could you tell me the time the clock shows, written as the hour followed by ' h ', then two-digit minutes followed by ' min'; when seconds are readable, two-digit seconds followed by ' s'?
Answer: 4 h 55 min
